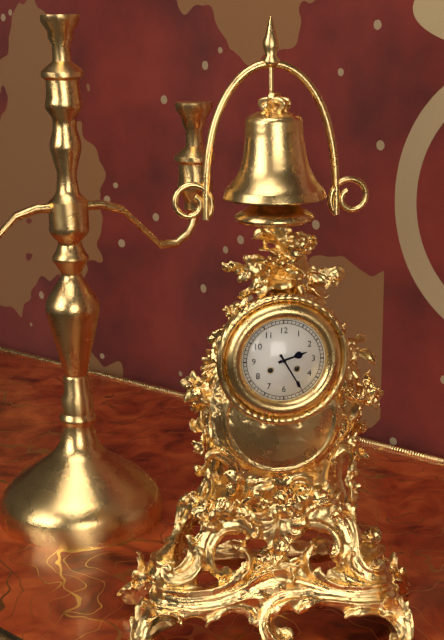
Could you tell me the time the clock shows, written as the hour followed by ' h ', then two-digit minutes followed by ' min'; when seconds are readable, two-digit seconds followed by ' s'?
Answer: 2 h 25 min
